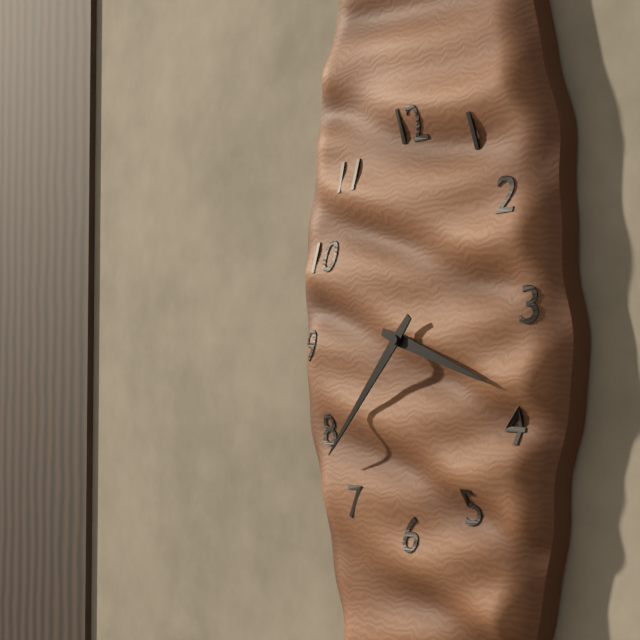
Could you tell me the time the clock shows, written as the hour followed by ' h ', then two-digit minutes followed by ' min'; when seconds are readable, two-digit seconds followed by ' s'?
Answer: 3 h 37 min
